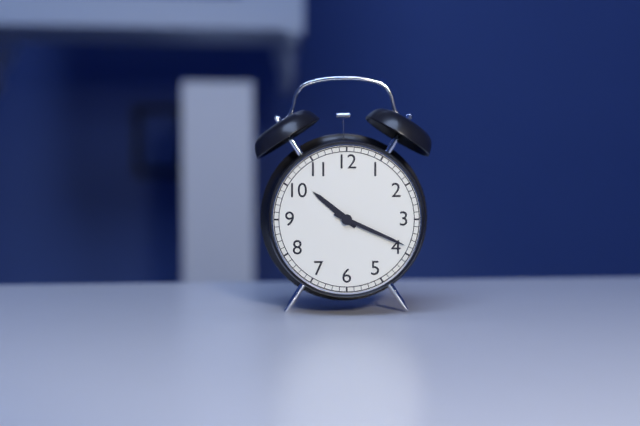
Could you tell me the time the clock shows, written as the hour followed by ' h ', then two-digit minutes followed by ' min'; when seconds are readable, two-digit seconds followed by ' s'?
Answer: 10 h 19 min
